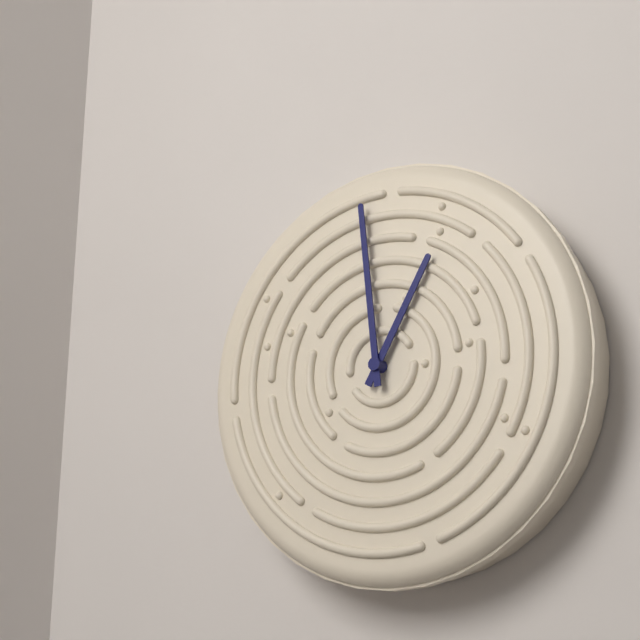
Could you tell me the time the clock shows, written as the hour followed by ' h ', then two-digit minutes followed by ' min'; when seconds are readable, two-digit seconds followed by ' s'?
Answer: 12 h 59 min
